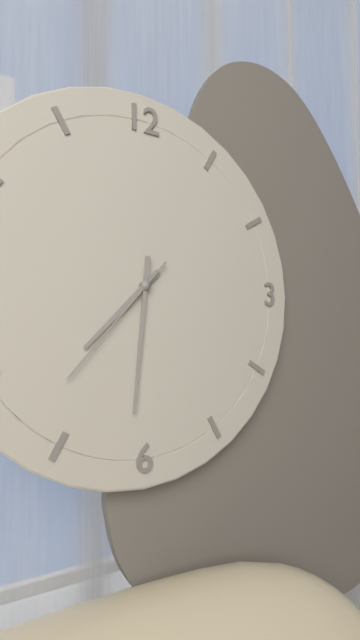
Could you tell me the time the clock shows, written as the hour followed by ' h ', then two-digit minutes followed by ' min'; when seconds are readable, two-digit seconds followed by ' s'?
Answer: 7 h 31 min 37 s
